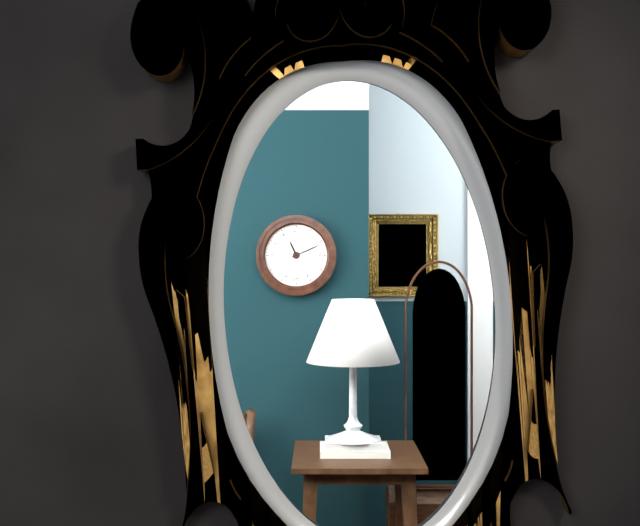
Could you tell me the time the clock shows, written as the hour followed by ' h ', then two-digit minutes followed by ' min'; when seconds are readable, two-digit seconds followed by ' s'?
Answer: 11 h 11 min
